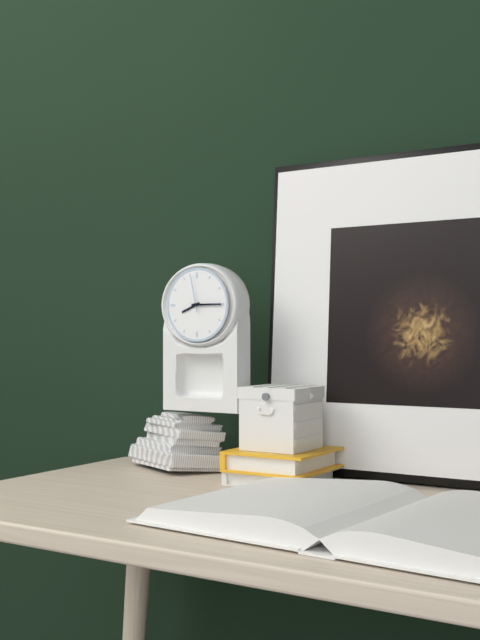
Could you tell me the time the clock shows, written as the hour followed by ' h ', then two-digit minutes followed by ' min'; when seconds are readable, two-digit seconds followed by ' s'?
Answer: 8 h 15 min
